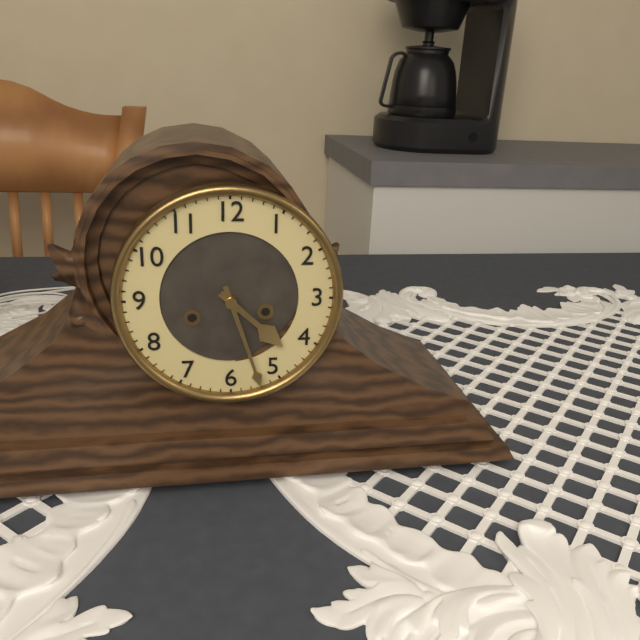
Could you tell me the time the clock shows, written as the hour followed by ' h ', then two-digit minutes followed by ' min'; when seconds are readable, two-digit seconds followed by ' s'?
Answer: 4 h 27 min
